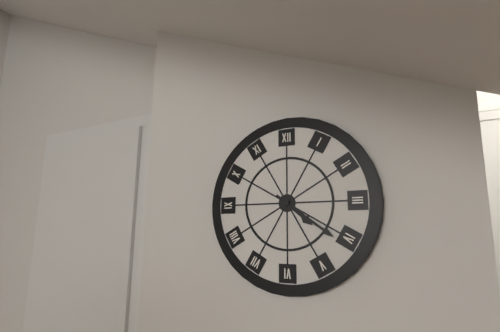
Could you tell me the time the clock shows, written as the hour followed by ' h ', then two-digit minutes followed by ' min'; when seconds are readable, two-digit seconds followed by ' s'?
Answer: 4 h 21 min
